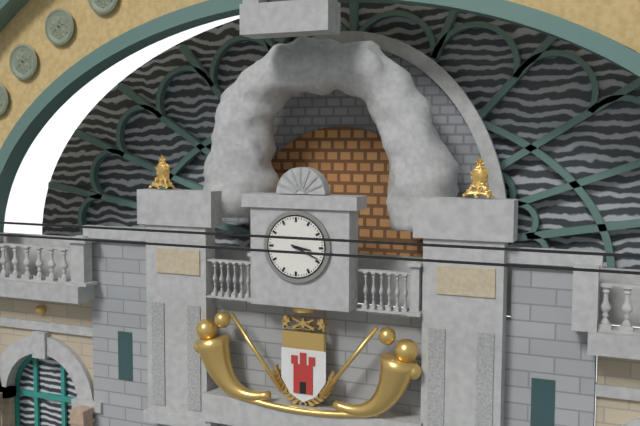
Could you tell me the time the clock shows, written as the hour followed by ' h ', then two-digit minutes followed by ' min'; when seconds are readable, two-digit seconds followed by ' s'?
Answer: 3 h 19 min
